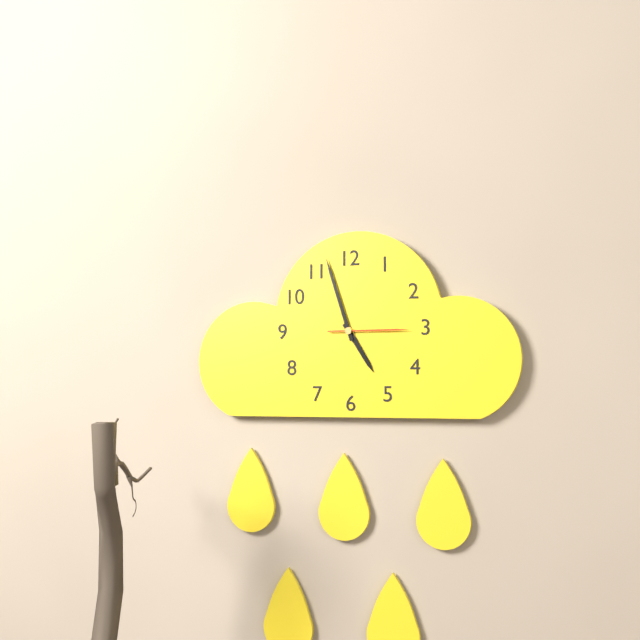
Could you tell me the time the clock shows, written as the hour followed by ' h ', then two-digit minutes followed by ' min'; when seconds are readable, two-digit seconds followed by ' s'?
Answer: 4 h 57 min 15 s
